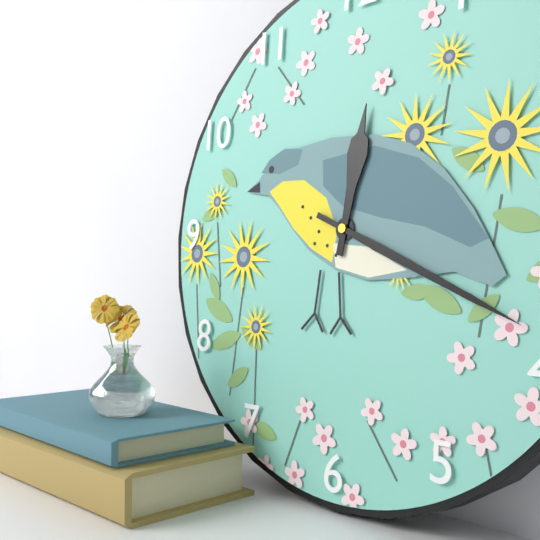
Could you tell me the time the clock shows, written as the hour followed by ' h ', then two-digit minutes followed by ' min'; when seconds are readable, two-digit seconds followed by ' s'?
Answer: 12 h 19 min
